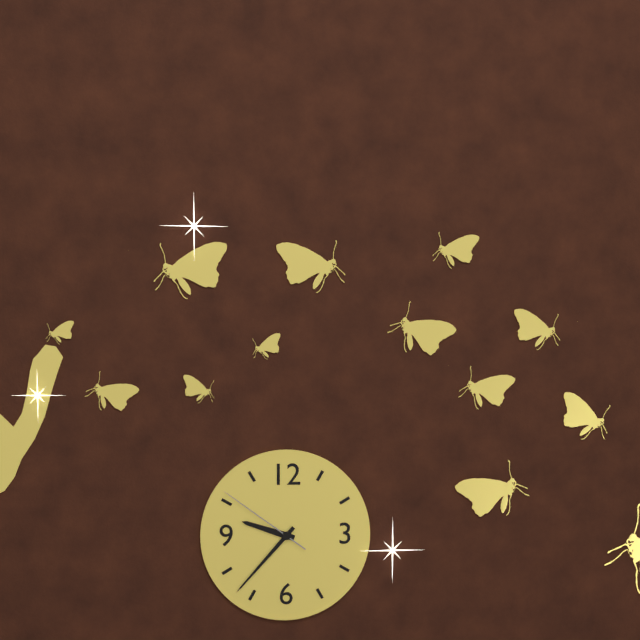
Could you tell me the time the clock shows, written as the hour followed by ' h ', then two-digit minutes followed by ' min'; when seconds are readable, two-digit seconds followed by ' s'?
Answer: 9 h 37 min 51 s
